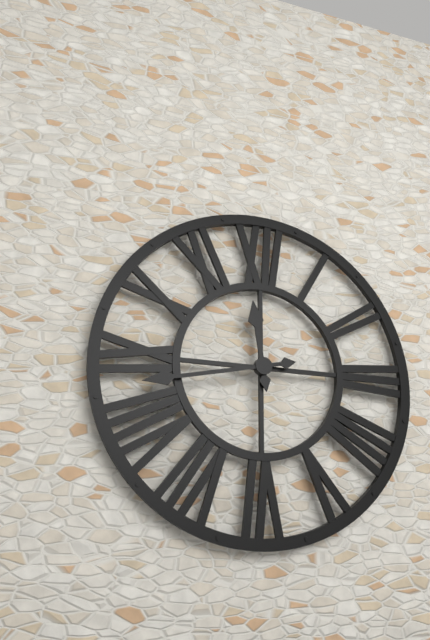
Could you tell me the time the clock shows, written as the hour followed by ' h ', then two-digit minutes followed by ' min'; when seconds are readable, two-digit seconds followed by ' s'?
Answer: 11 h 43 min
